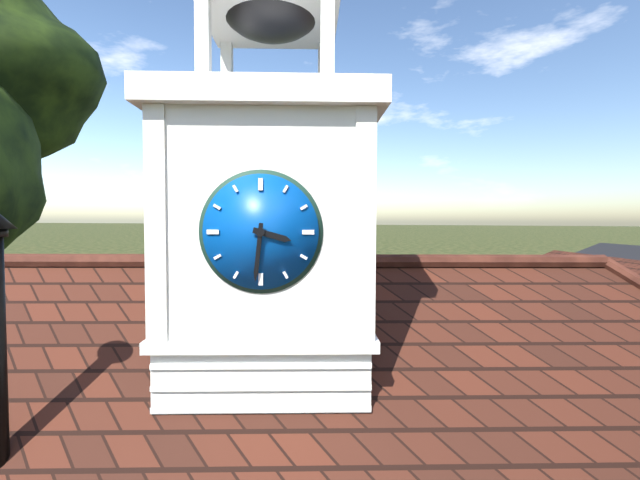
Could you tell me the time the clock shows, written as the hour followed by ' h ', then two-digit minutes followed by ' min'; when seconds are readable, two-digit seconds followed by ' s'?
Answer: 3 h 31 min
